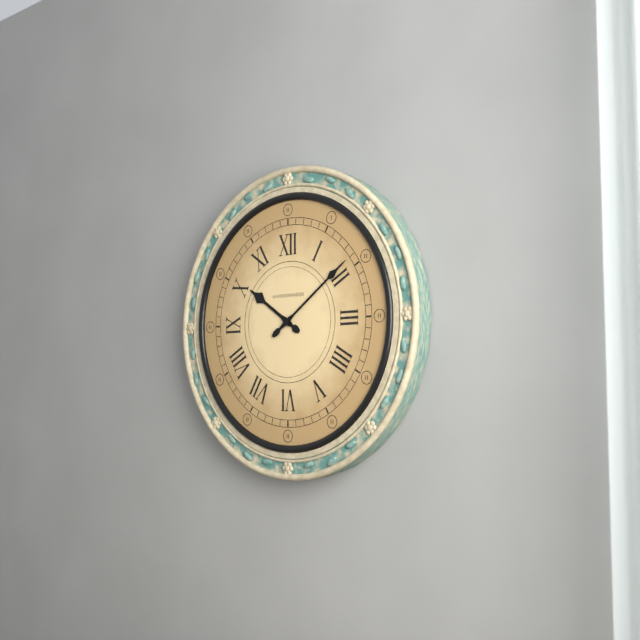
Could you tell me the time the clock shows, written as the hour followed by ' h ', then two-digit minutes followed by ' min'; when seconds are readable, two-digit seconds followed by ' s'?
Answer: 10 h 09 min
